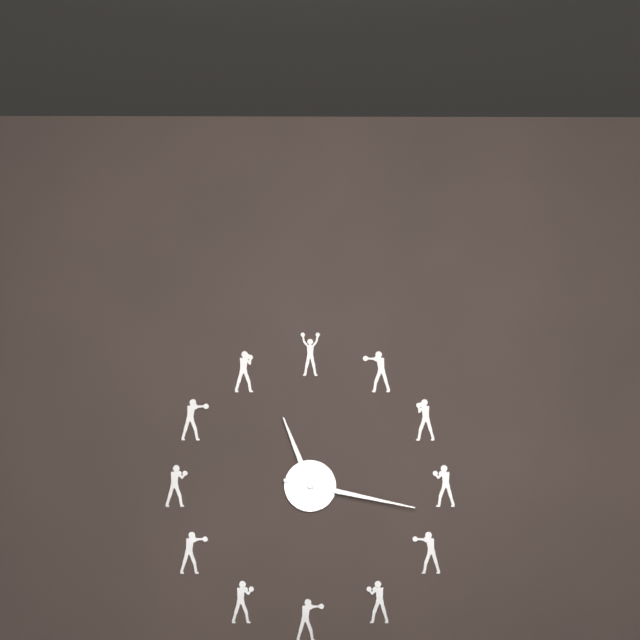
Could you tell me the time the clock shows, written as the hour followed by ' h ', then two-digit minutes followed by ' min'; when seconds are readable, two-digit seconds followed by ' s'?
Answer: 11 h 17 min
